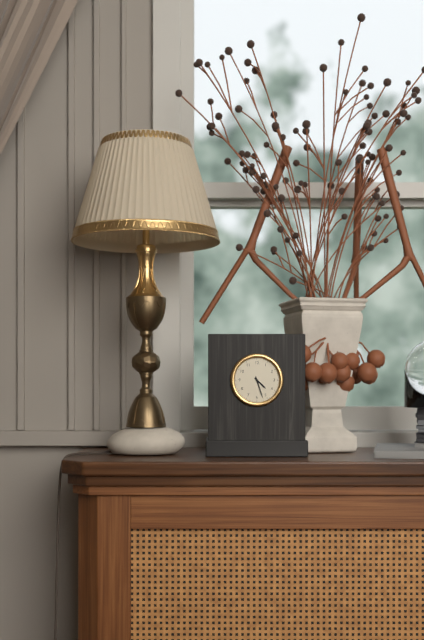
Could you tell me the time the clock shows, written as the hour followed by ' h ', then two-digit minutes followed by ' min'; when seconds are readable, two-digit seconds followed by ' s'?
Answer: 4 h 27 min
